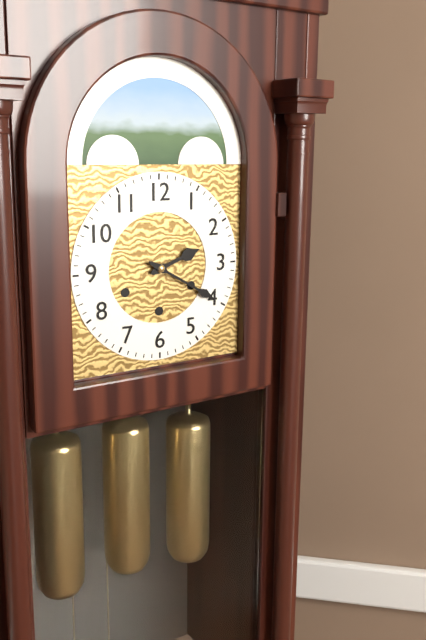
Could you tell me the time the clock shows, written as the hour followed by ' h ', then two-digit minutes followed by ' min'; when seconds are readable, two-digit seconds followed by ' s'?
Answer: 2 h 20 min
